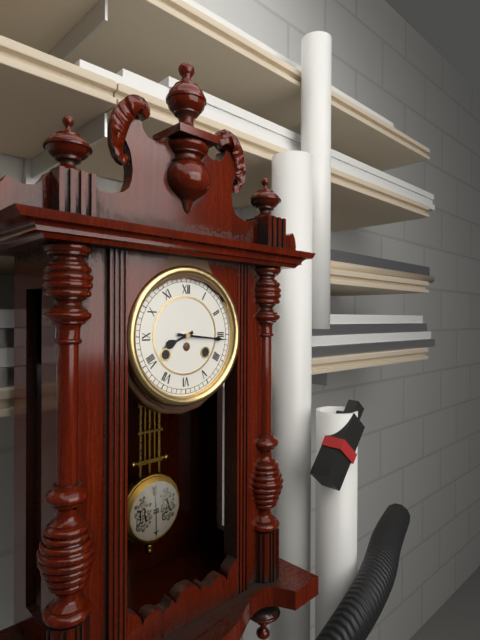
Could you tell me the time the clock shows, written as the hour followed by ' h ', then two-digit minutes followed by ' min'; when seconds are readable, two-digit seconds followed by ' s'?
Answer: 8 h 16 min
